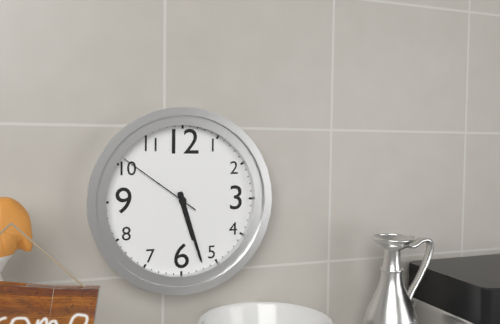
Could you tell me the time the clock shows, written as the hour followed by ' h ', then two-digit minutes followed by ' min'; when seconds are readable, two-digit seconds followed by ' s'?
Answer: 5 h 27 min 51 s
